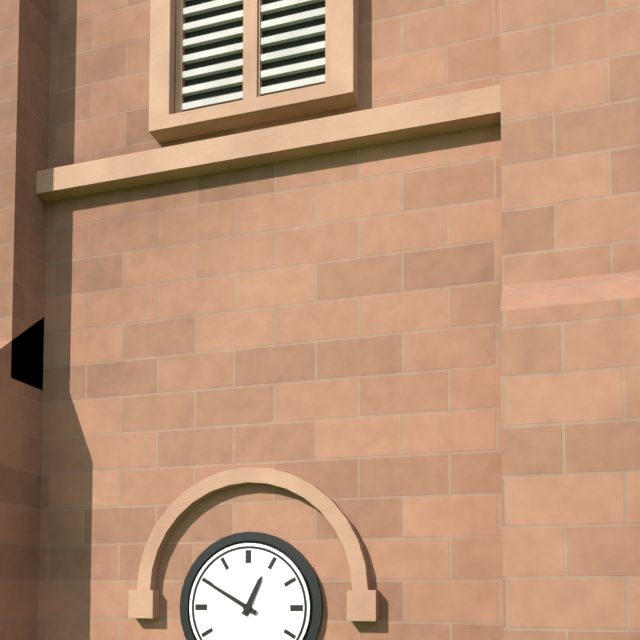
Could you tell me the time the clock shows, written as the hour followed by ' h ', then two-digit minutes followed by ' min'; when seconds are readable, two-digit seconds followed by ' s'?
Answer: 12 h 50 min
